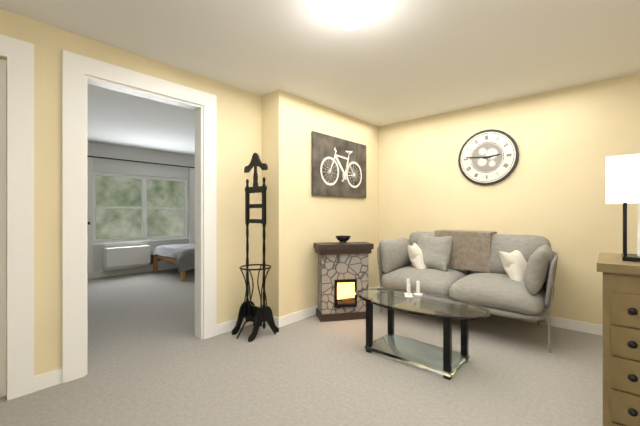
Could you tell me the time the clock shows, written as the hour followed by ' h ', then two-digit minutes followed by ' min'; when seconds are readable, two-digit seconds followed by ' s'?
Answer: 2 h 46 min
